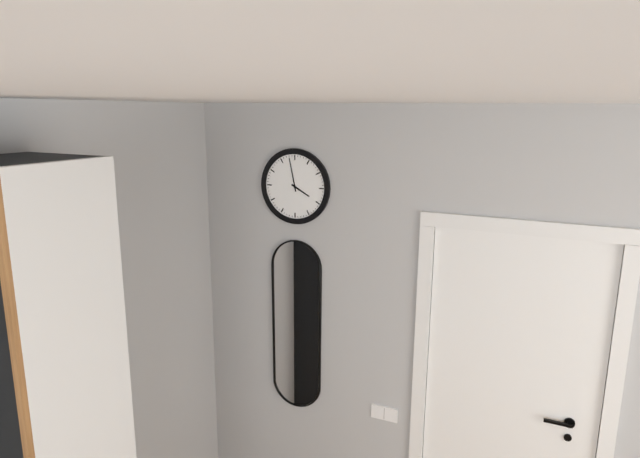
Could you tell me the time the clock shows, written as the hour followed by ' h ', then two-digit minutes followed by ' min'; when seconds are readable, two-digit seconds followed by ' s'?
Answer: 3 h 58 min
